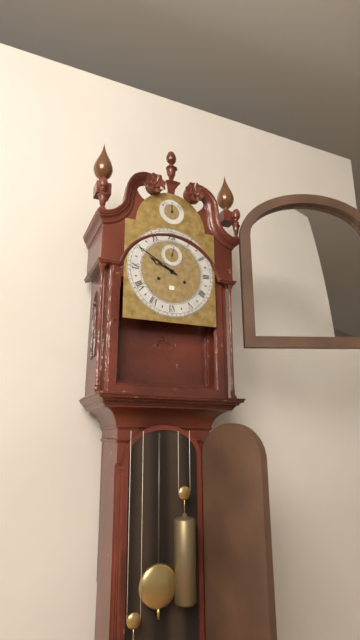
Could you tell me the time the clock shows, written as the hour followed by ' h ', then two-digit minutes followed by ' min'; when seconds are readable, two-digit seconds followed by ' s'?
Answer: 9 h 50 min
